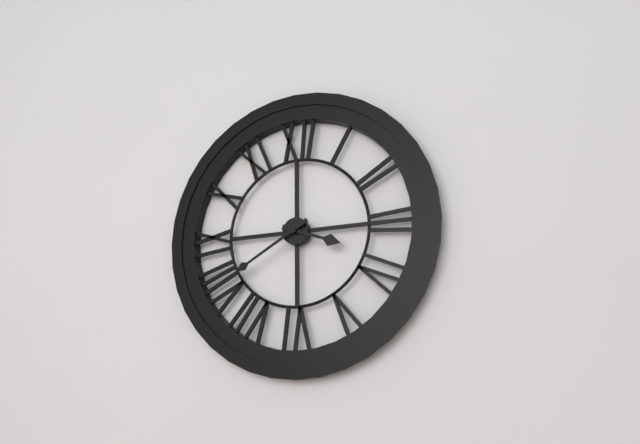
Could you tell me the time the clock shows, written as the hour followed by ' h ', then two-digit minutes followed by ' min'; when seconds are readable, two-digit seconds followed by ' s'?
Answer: 3 h 40 min
